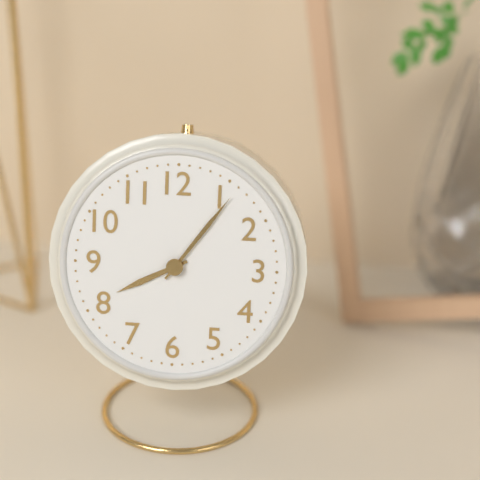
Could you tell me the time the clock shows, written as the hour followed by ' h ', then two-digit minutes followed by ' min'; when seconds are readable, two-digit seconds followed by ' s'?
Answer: 8 h 06 min
